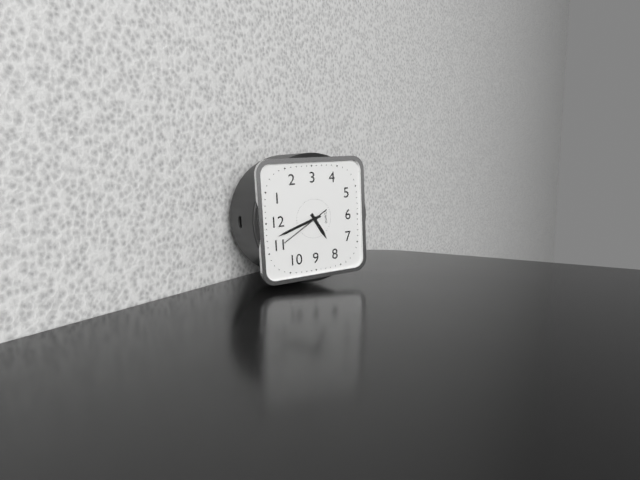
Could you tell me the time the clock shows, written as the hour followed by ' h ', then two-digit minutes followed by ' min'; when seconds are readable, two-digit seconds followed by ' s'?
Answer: 7 h 57 min
